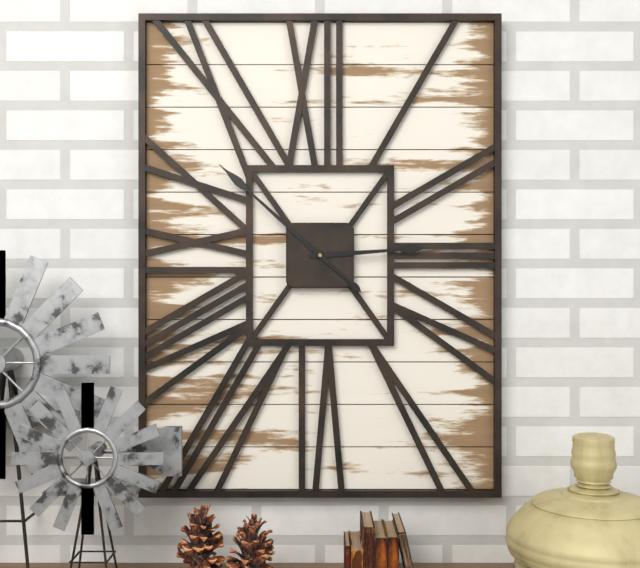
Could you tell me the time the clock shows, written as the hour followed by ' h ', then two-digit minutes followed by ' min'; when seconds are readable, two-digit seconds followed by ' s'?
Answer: 2 h 52 min
